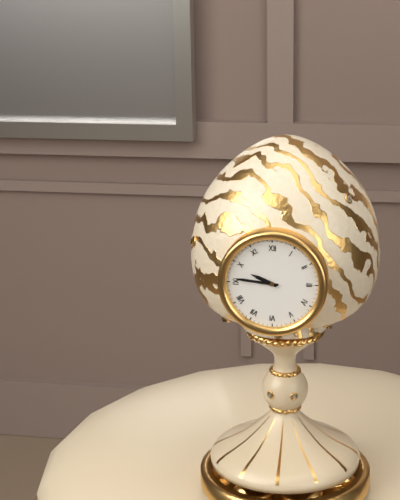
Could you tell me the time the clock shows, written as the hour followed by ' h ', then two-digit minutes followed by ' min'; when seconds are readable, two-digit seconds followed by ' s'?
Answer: 9 h 46 min
